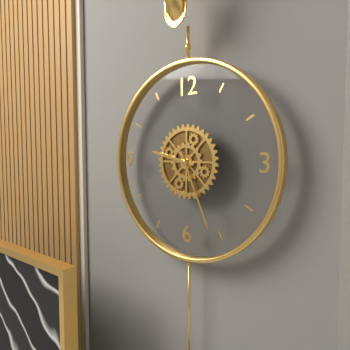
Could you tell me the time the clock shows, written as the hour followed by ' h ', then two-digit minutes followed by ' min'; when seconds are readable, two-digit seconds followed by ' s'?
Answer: 9 h 26 min
